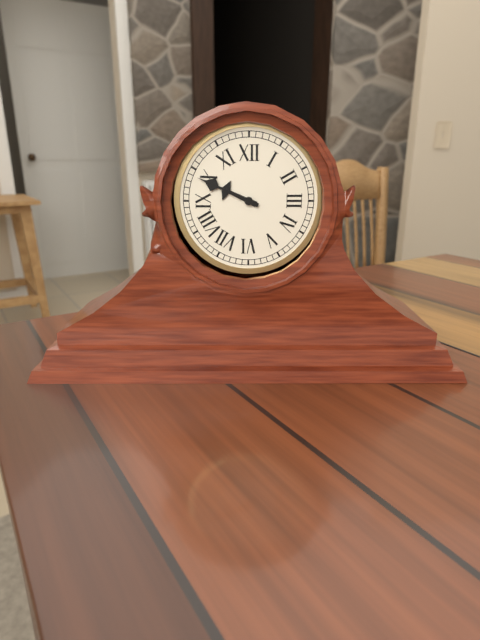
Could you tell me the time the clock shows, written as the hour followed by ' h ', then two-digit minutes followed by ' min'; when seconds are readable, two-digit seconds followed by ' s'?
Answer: 9 h 49 min
